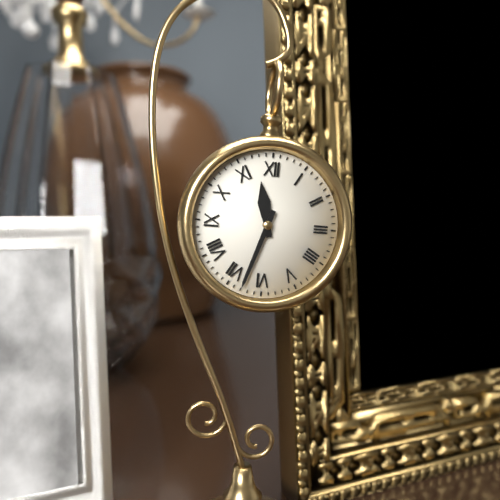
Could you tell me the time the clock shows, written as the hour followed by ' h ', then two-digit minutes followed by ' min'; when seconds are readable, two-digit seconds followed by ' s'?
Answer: 11 h 33 min
